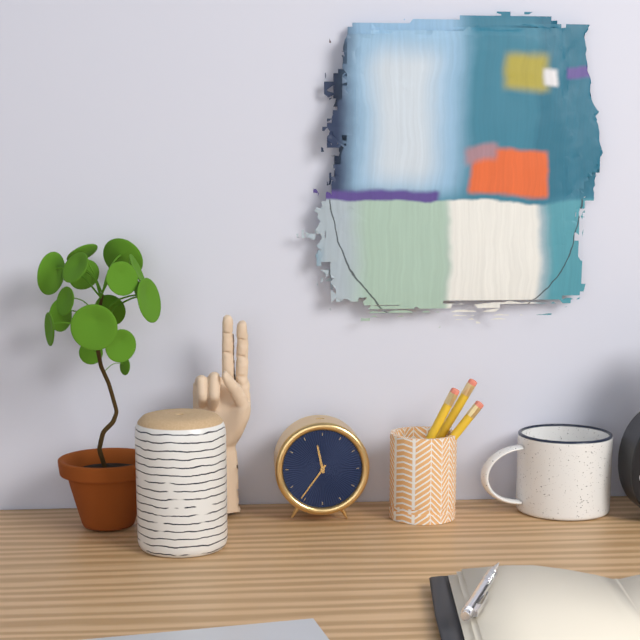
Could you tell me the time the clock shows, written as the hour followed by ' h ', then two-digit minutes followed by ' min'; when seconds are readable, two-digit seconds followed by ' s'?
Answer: 11 h 36 min
